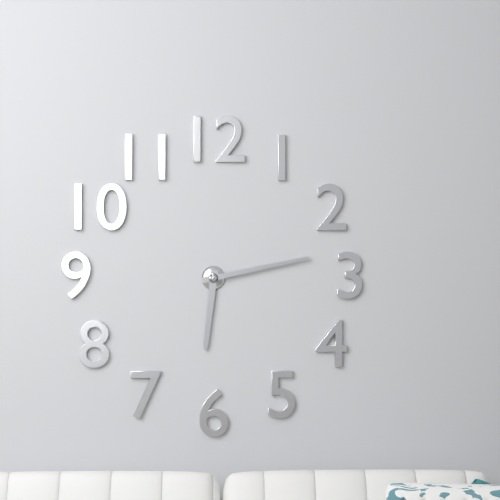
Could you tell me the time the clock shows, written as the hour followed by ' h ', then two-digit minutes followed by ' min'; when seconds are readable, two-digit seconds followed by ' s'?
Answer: 6 h 13 min
